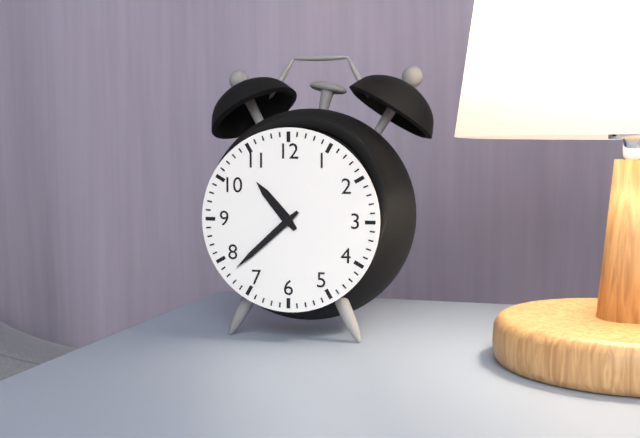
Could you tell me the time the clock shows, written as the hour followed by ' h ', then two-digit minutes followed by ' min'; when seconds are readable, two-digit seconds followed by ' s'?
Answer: 10 h 38 min
